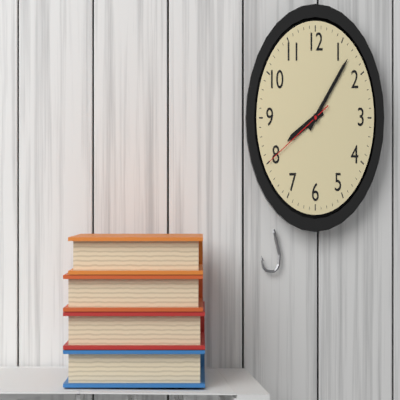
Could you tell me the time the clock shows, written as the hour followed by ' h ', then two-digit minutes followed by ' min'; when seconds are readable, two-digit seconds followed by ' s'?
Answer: 8 h 07 min 40 s
